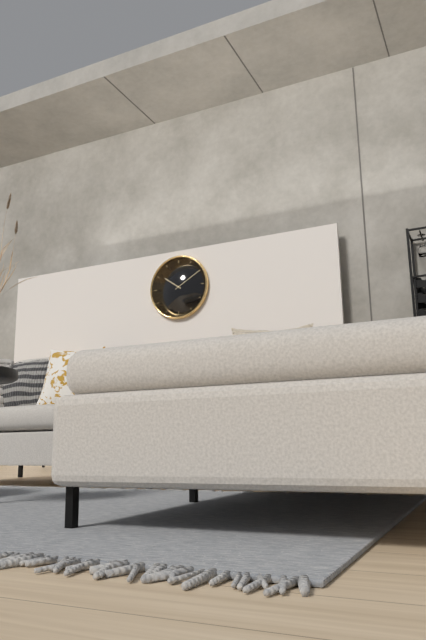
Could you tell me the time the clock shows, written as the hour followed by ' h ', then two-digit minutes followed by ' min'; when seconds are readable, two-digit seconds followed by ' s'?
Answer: 10 h 10 min
